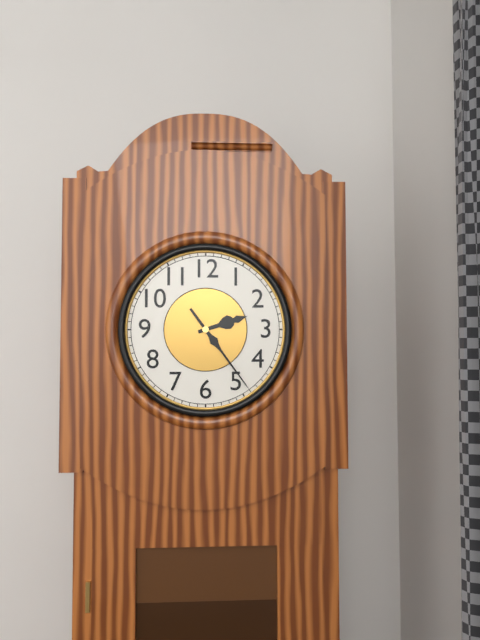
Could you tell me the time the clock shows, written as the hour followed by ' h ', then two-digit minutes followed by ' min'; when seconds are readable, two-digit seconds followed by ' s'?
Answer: 2 h 24 min
